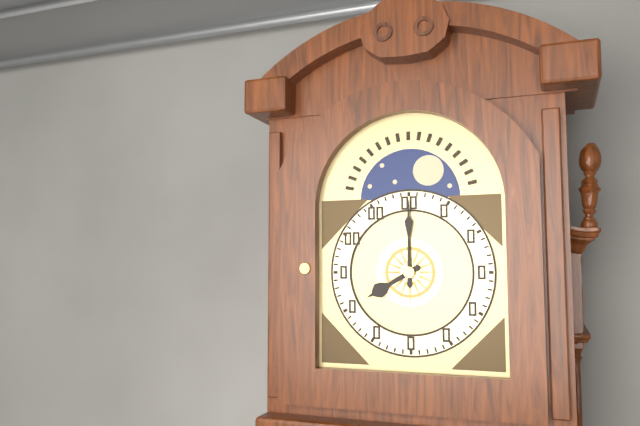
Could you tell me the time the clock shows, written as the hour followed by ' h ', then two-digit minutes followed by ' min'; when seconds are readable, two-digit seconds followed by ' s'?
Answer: 8 h 00 min
